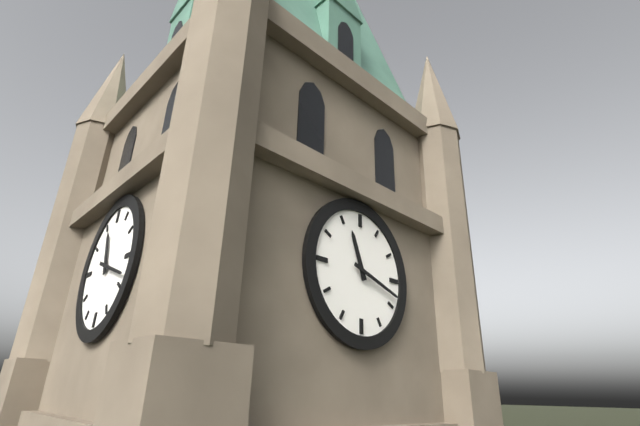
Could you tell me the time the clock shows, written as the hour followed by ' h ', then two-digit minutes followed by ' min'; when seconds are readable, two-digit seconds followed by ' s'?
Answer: 11 h 18 min
